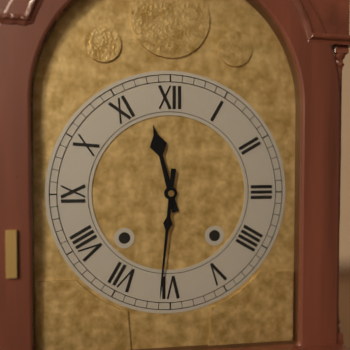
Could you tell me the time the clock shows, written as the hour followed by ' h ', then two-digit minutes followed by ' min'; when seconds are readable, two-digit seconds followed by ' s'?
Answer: 11 h 31 min
